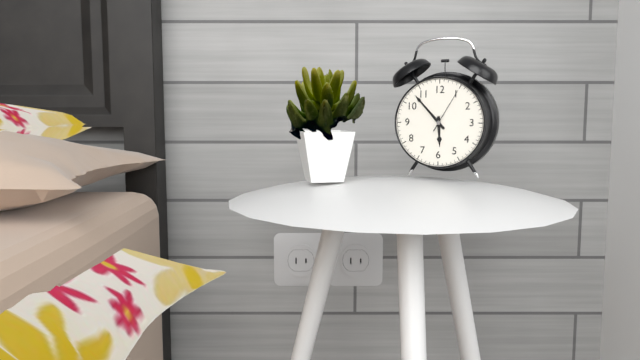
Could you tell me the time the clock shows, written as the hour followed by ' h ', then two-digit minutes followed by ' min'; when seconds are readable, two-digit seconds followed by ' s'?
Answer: 5 h 53 min
